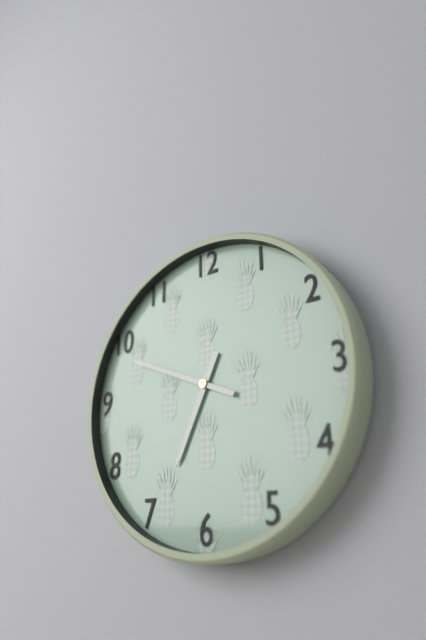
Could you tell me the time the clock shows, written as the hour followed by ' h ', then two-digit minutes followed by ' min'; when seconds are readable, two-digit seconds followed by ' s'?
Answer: 6 h 49 min
